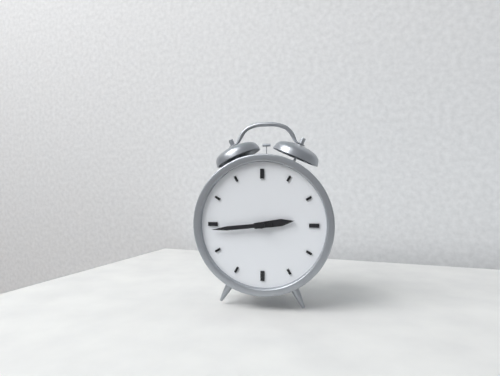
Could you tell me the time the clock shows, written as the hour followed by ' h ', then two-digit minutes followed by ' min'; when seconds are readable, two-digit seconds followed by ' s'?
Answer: 2 h 44 min
